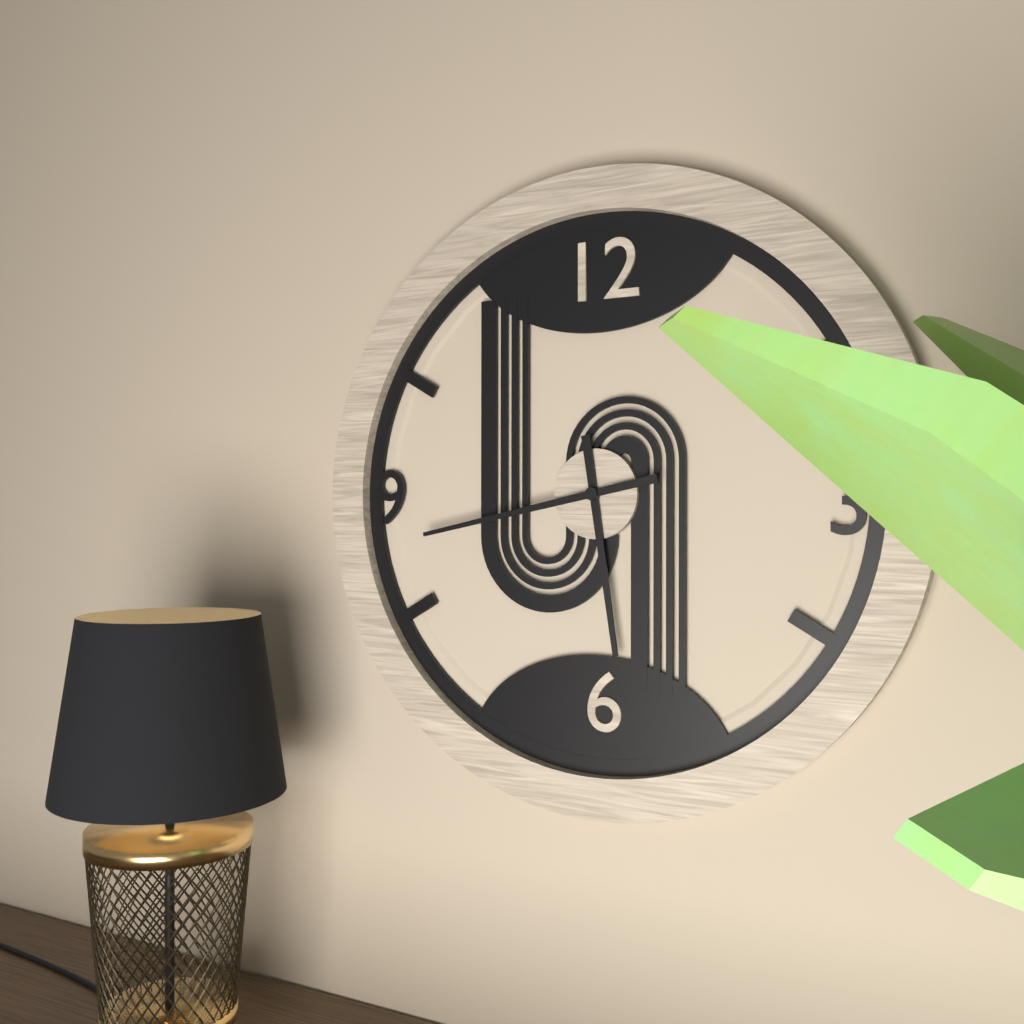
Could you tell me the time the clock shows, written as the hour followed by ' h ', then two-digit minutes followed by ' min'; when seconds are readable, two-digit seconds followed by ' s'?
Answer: 5 h 43 min
